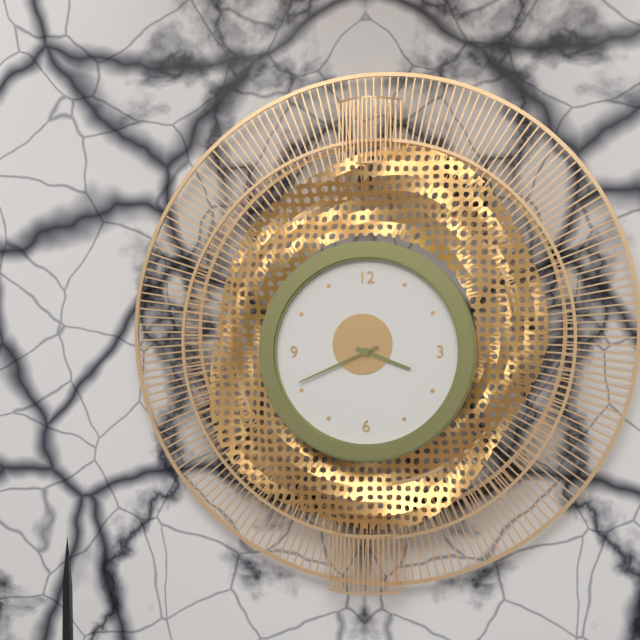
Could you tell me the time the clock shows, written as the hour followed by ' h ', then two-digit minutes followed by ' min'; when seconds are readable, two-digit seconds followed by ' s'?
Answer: 3 h 41 min
